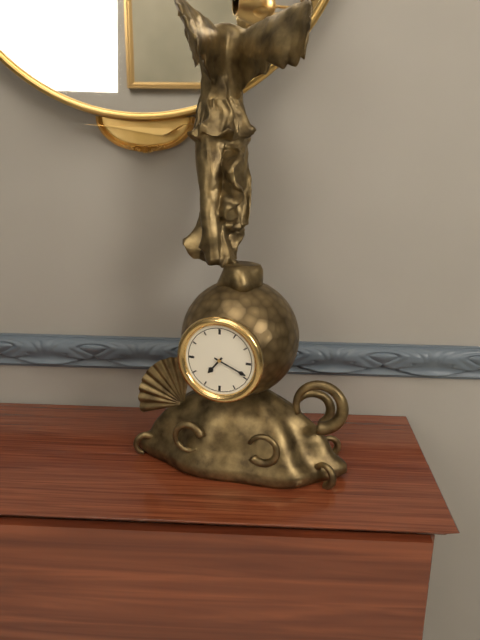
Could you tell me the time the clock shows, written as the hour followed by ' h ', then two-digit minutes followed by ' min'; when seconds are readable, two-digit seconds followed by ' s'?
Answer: 7 h 19 min
